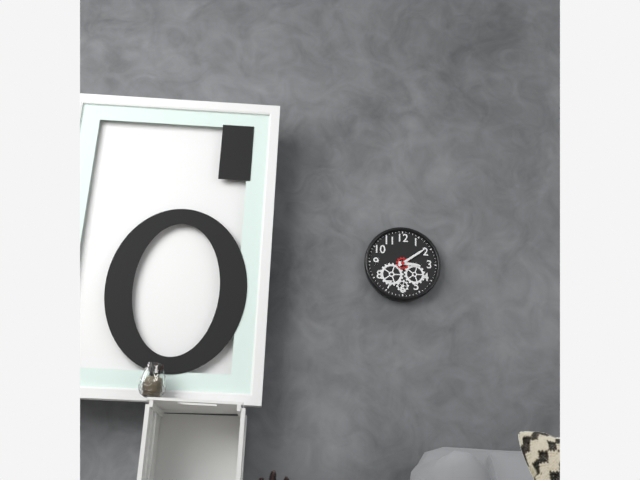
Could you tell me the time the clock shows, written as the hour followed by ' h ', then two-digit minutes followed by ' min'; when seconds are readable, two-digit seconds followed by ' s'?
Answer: 3 h 09 min
